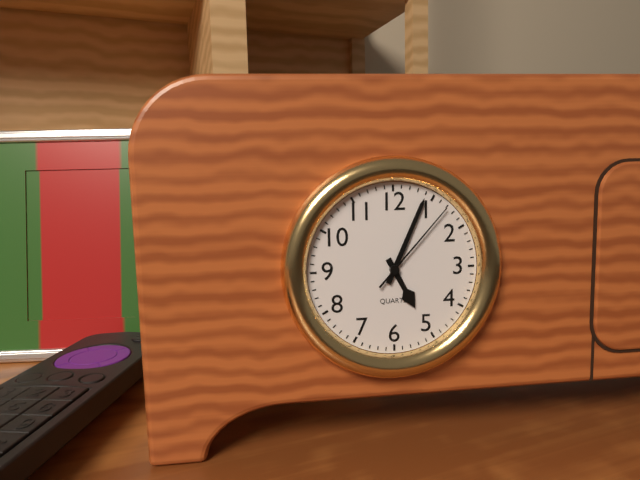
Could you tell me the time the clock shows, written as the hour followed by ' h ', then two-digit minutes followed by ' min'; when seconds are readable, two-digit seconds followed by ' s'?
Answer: 5 h 04 min 07 s
